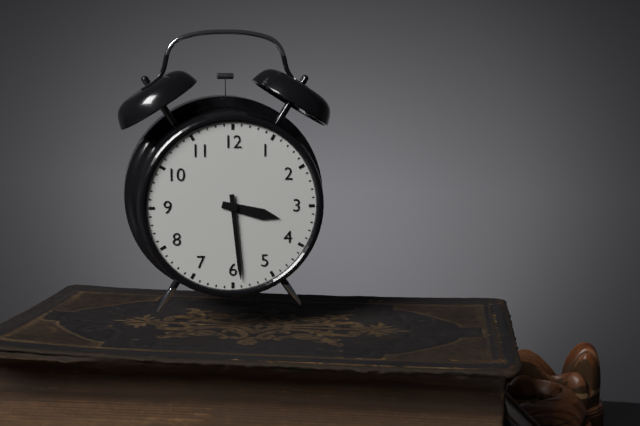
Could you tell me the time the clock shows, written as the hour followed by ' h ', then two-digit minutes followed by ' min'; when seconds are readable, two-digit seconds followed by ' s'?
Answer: 3 h 29 min
